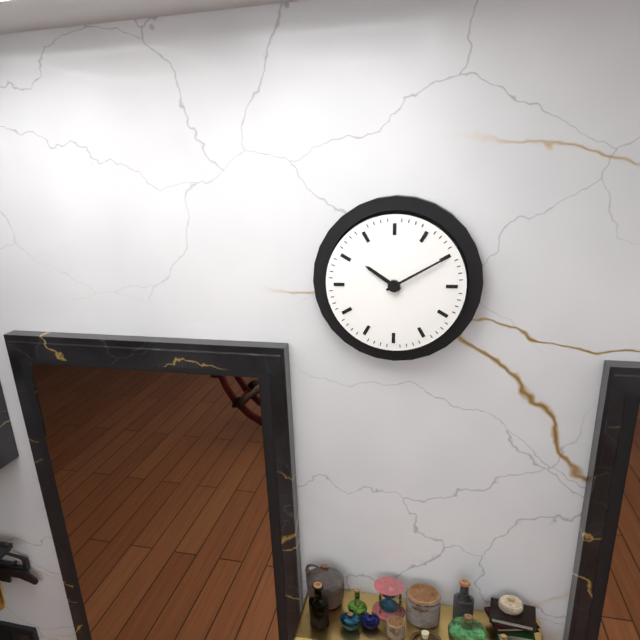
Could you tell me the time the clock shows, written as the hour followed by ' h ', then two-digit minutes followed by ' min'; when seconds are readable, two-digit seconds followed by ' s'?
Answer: 10 h 10 min
